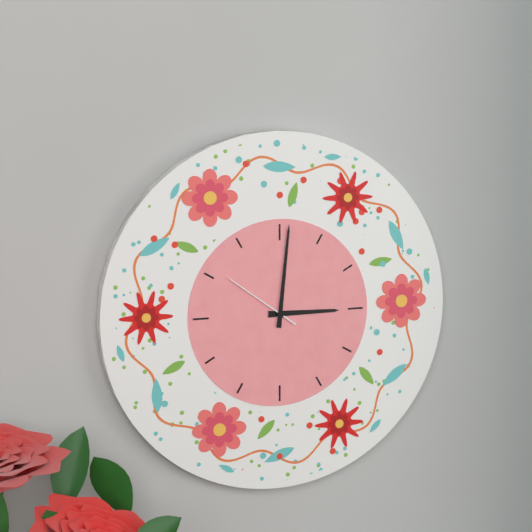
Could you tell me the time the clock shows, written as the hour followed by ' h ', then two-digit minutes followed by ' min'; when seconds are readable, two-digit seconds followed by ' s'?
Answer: 3 h 01 min 51 s
